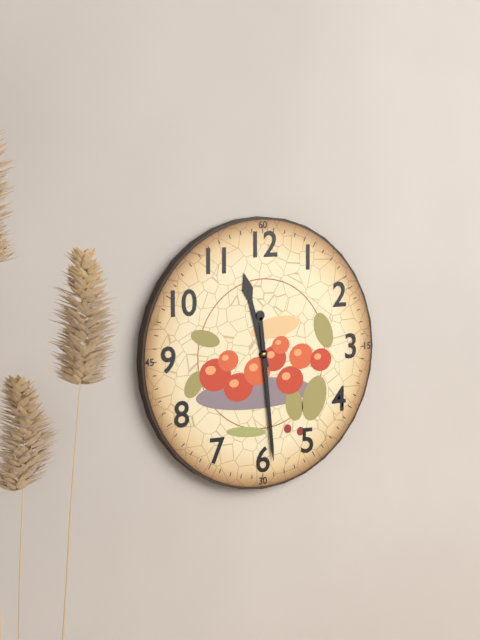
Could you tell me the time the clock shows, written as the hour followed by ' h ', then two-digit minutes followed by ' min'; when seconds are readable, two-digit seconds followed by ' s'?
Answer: 11 h 29 min
